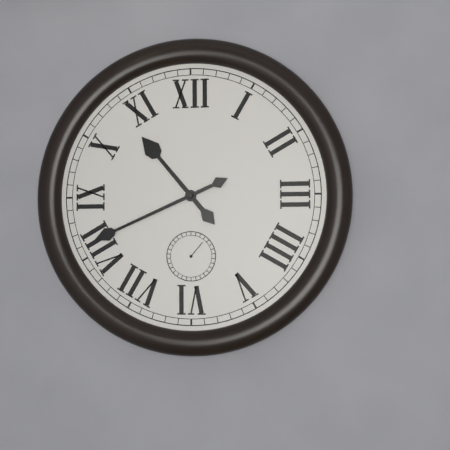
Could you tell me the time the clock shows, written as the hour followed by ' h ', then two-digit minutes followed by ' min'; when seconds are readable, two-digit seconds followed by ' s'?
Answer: 10 h 41 min
